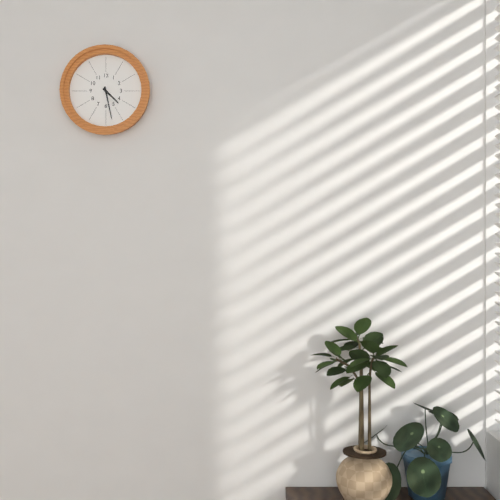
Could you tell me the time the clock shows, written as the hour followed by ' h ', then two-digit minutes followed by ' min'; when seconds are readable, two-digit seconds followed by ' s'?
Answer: 4 h 28 min
